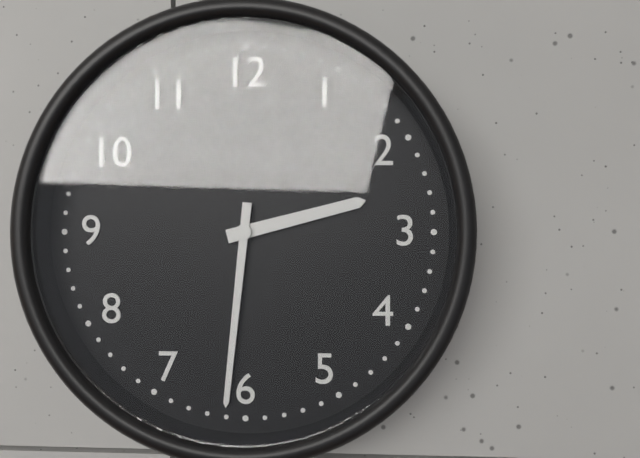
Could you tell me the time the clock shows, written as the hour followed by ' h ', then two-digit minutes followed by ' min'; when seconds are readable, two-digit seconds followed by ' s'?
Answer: 2 h 31 min
